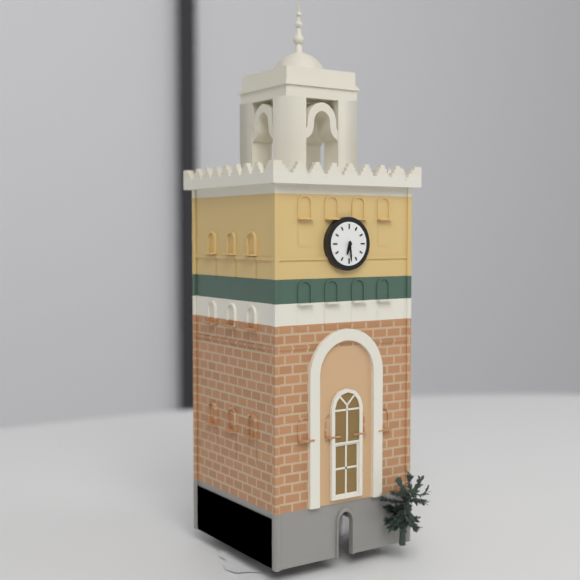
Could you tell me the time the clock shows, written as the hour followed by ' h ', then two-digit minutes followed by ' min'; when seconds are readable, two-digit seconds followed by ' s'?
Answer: 6 h 29 min
